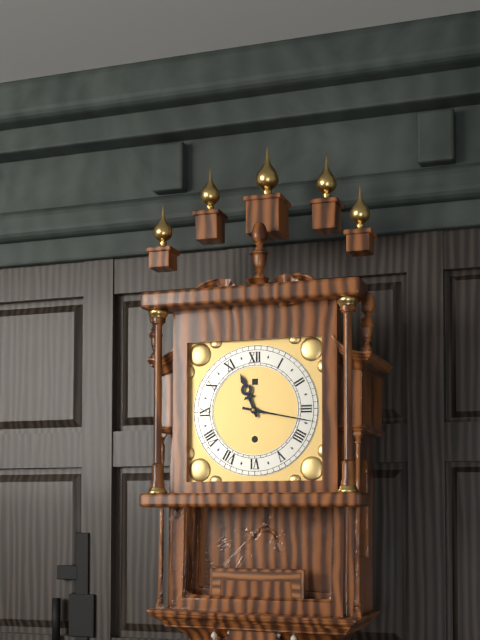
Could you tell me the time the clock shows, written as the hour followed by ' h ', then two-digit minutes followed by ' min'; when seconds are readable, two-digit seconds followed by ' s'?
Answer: 11 h 17 min
